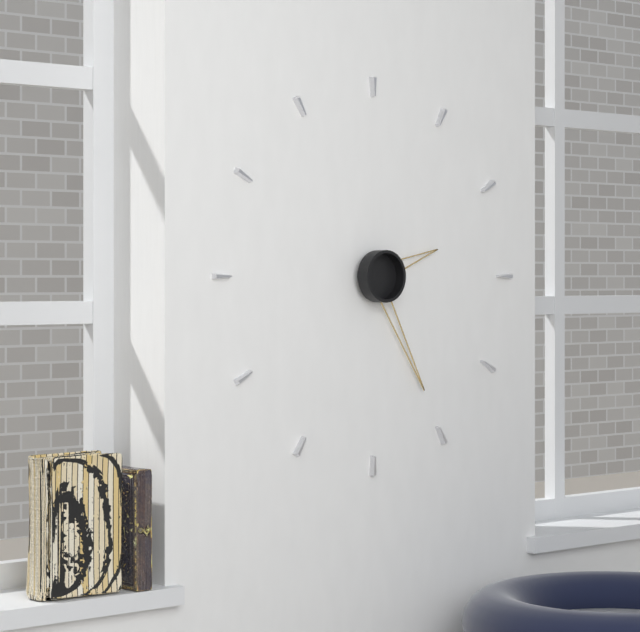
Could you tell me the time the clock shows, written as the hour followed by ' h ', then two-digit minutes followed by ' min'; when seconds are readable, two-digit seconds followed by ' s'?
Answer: 2 h 25 min
